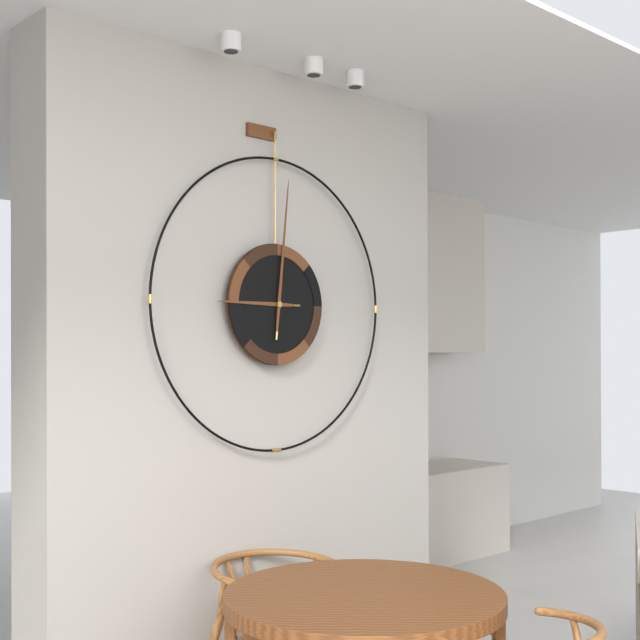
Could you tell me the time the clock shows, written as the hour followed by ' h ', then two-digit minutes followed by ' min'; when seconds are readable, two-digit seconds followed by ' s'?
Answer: 9 h 01 min
